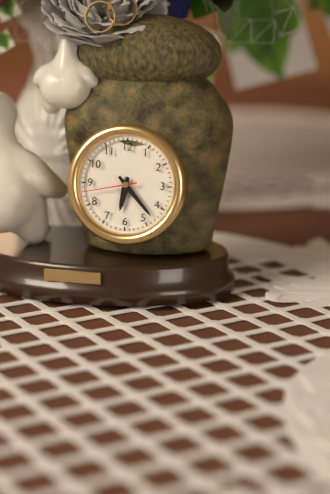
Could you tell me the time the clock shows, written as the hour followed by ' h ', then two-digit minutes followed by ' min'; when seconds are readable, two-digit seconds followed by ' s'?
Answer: 6 h 23 min 43 s
